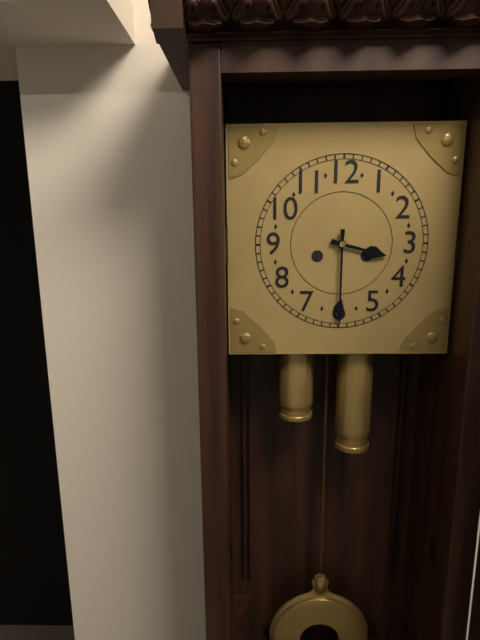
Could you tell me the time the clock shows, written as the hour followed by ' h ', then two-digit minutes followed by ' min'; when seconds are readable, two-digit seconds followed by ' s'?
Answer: 3 h 30 min
